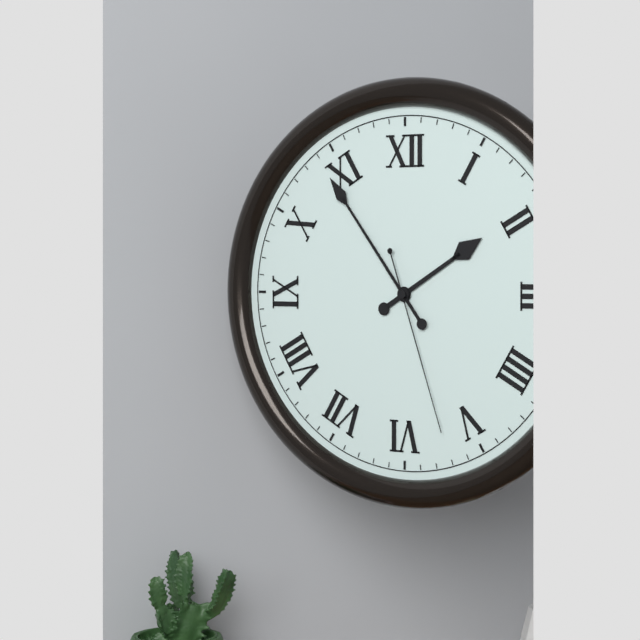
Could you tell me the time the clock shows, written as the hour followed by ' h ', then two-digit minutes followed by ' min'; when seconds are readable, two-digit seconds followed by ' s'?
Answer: 1 h 54 min 27 s
